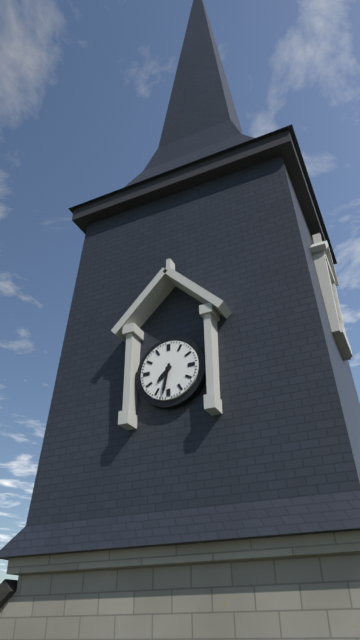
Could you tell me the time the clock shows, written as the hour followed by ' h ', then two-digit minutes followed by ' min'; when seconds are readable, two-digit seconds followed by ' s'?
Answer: 7 h 32 min
